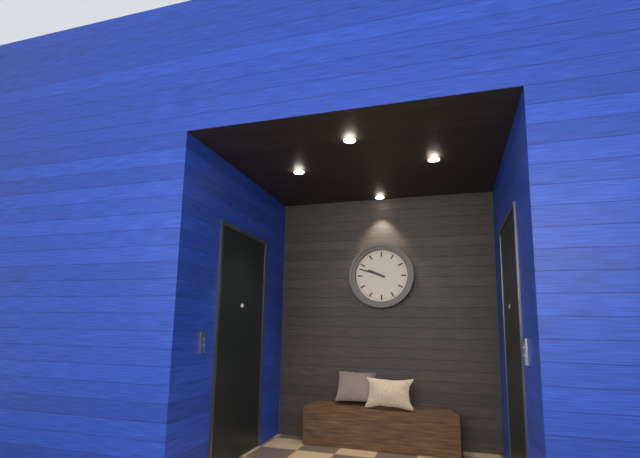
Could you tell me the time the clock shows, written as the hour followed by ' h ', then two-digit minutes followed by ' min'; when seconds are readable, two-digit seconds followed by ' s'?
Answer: 9 h 48 min
